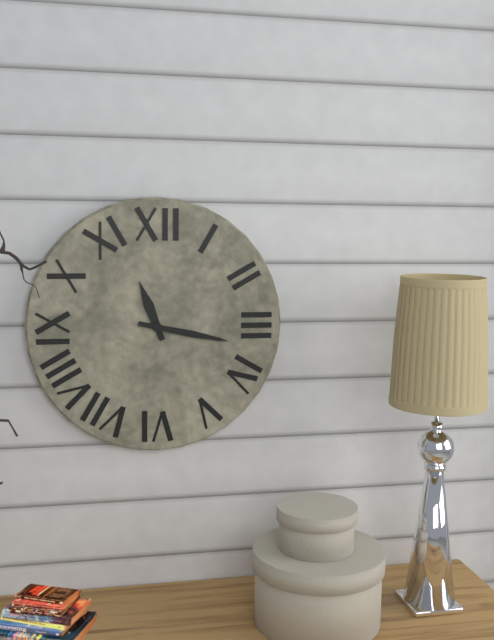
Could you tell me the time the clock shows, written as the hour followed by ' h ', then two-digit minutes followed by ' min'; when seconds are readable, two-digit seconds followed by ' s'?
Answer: 11 h 17 min
